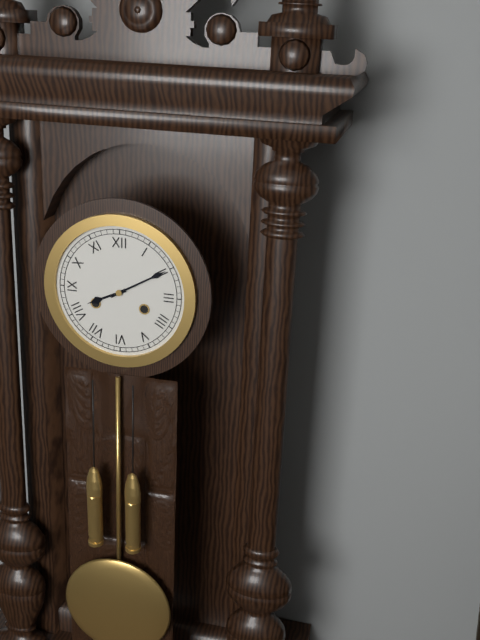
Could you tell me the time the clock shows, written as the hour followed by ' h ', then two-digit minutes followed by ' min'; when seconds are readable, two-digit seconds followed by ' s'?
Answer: 8 h 10 min
